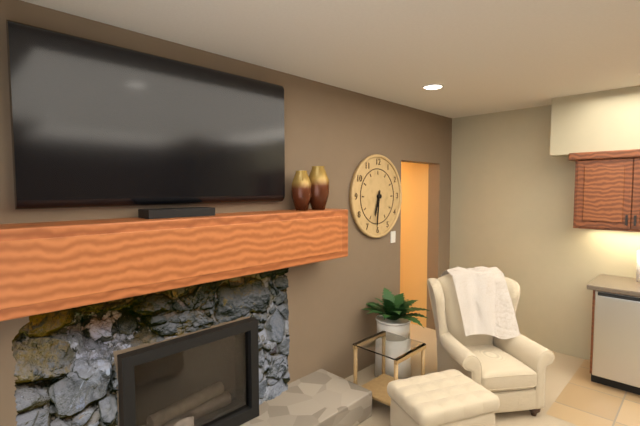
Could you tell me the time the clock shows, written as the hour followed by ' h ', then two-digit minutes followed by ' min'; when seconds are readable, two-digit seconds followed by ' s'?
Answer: 6 h 31 min
